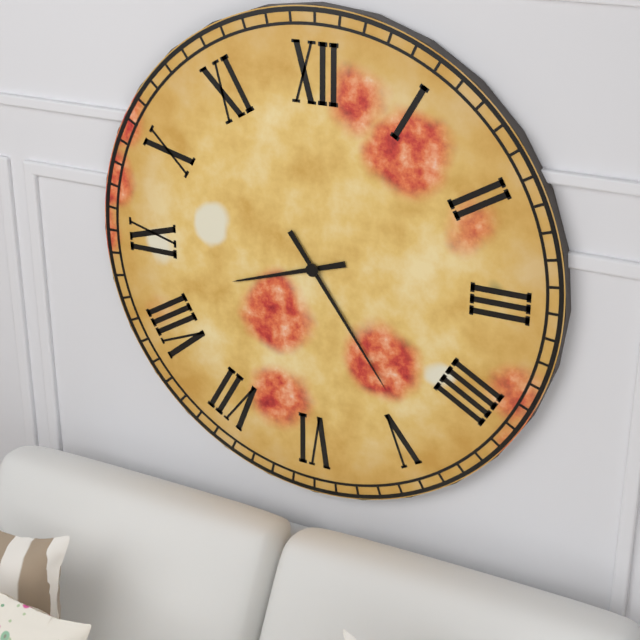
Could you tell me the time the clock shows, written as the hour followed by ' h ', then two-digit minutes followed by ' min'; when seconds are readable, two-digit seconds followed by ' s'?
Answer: 8 h 24 min
